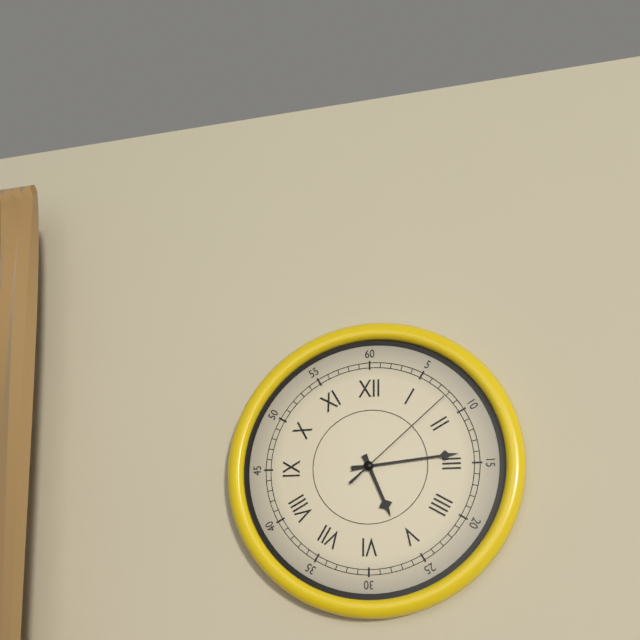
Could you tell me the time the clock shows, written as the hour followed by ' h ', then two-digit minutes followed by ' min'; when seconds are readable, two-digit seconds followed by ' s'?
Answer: 5 h 14 min 08 s
